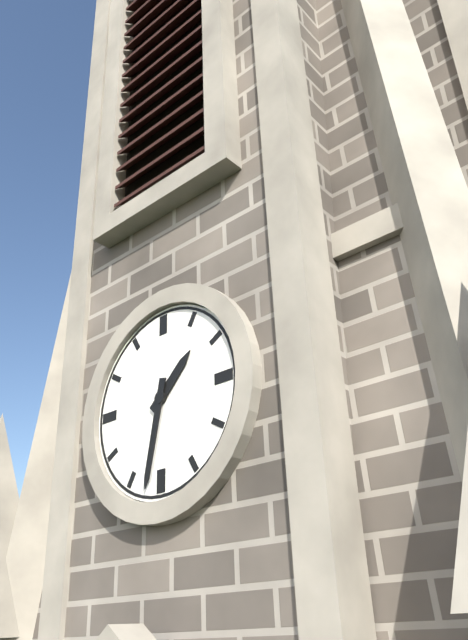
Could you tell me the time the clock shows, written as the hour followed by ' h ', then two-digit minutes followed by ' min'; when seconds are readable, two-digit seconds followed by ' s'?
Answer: 1 h 32 min
